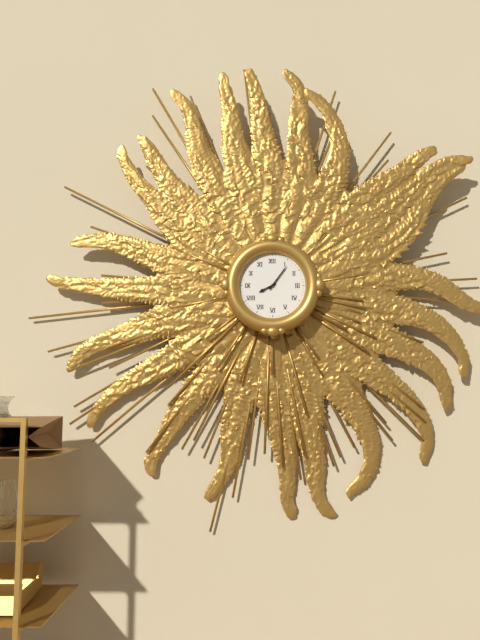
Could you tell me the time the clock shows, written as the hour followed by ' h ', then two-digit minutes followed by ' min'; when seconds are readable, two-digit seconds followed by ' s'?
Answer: 8 h 06 min
